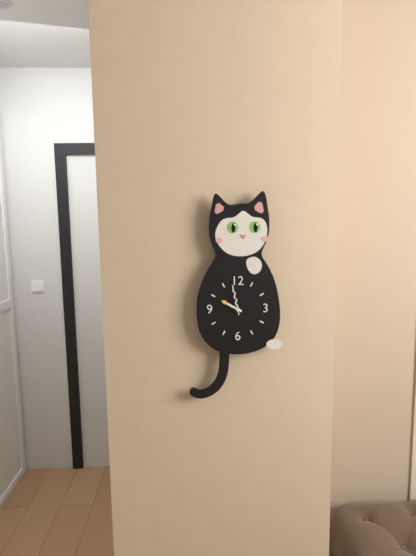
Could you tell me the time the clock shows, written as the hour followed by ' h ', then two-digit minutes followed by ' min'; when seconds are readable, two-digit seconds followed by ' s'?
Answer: 9 h 58 min
